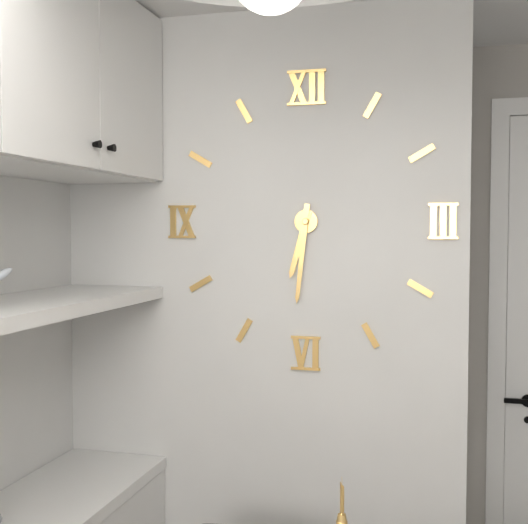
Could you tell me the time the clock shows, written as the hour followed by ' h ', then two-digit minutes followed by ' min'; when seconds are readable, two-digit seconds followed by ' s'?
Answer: 6 h 31 min
